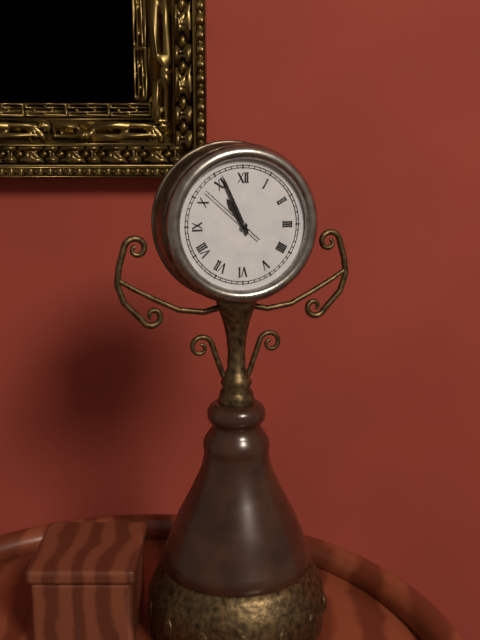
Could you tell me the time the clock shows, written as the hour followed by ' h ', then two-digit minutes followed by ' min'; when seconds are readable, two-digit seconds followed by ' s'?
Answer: 10 h 56 min 52 s
